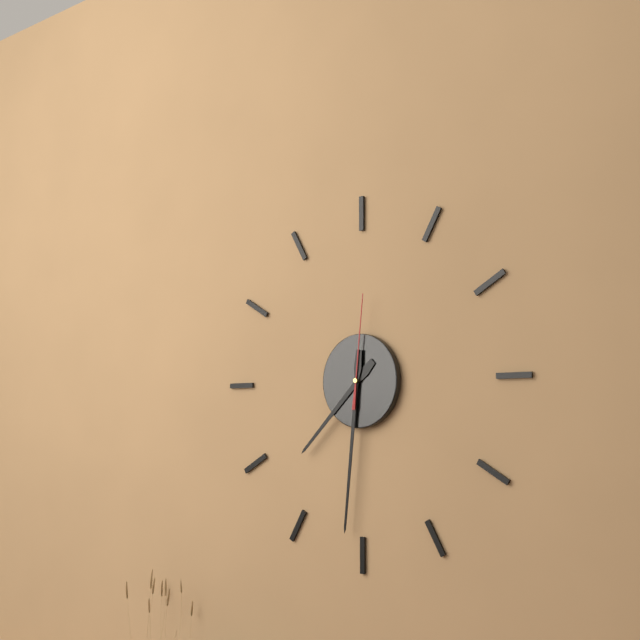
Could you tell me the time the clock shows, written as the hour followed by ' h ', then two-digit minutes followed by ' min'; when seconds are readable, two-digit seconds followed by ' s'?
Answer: 7 h 31 min 01 s
